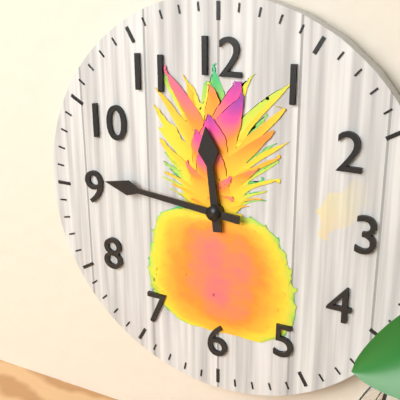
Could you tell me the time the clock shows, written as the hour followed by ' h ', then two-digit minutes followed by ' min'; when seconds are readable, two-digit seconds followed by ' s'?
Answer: 11 h 46 min
